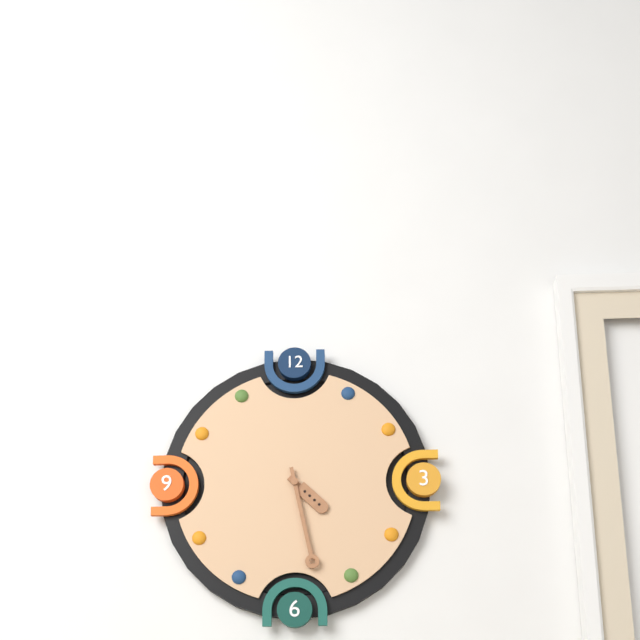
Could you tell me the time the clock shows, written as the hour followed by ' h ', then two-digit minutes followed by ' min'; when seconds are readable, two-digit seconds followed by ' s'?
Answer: 4 h 28 min
